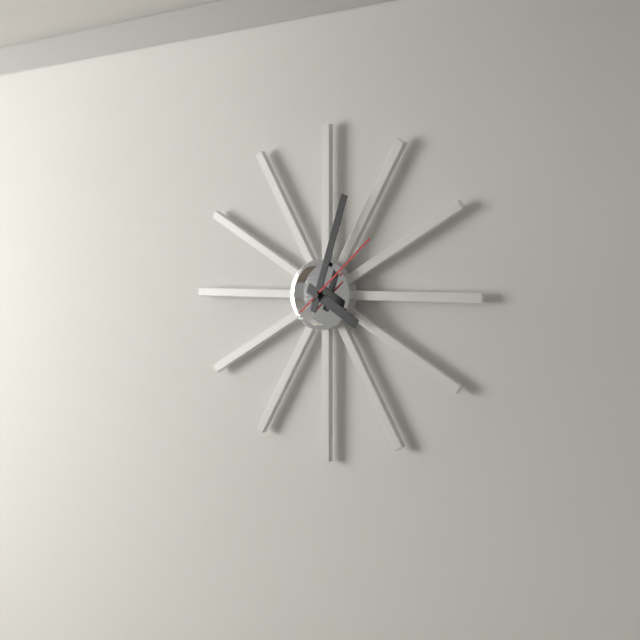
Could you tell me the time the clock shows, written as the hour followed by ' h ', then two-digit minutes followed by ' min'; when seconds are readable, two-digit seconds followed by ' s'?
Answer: 4 h 03 min 08 s
